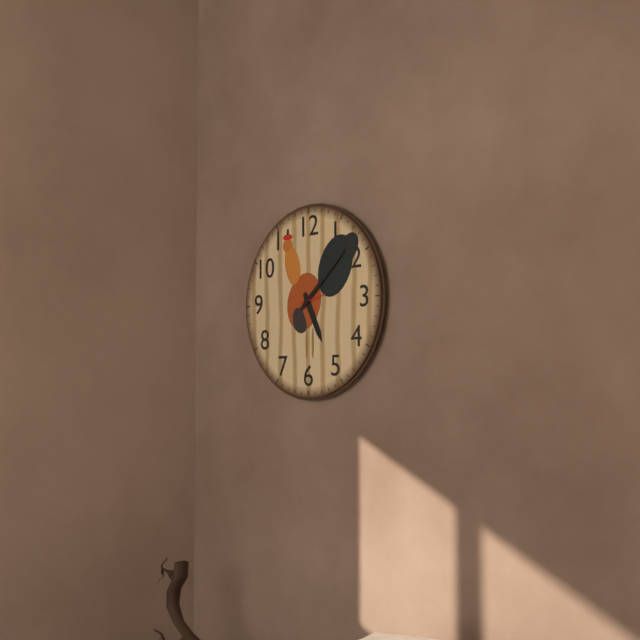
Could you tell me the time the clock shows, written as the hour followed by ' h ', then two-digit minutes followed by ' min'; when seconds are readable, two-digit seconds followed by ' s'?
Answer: 5 h 08 min
